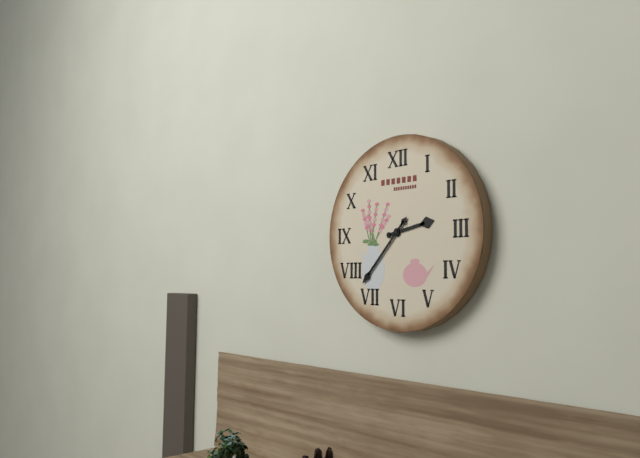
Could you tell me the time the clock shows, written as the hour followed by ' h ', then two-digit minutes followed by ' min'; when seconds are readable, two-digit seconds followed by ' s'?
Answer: 2 h 37 min
